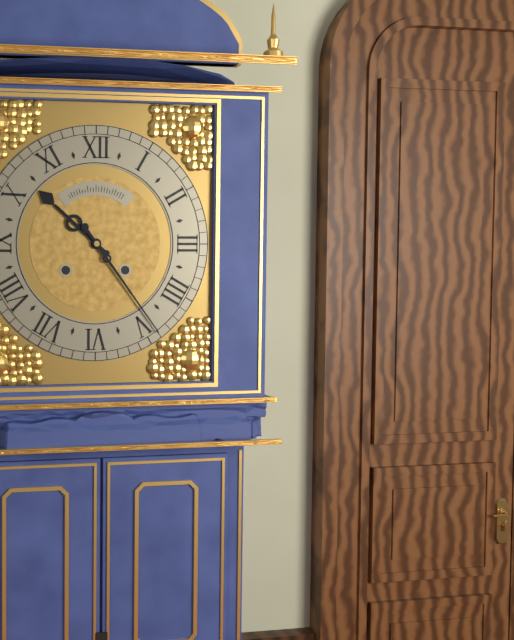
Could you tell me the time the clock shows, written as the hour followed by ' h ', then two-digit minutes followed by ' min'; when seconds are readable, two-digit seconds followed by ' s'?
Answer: 10 h 24 min
